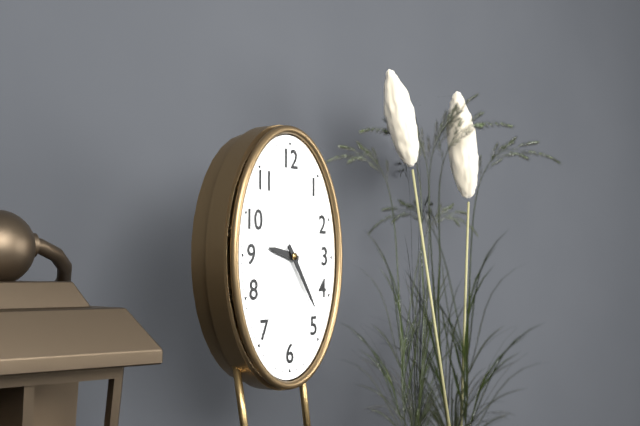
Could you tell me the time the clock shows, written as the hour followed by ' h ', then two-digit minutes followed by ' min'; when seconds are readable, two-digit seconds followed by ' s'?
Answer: 9 h 24 min
